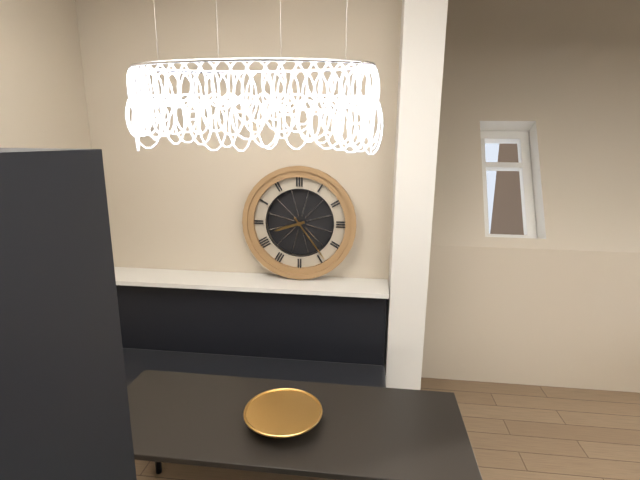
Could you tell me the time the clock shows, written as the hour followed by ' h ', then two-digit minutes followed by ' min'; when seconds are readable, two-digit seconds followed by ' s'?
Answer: 8 h 24 min
